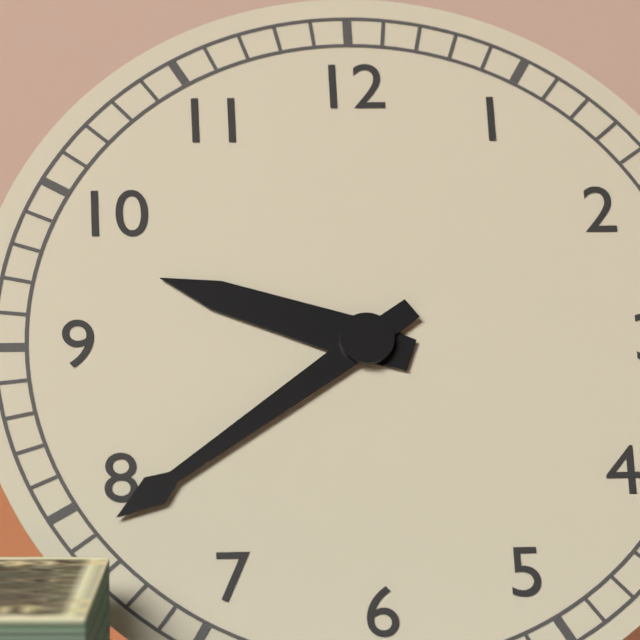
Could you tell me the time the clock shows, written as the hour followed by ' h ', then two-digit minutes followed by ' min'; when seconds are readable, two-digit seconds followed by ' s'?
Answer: 9 h 39 min
